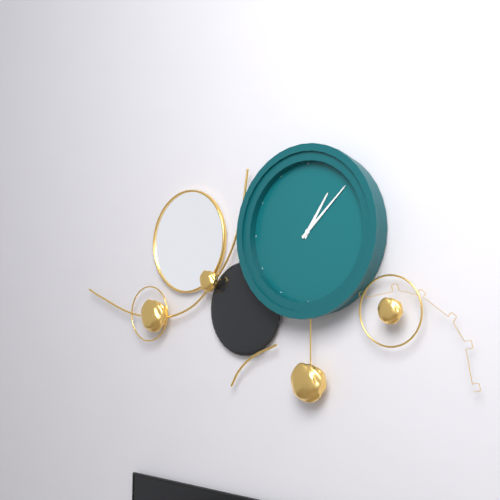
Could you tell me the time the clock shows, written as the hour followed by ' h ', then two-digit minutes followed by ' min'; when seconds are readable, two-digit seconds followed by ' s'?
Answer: 1 h 08 min
